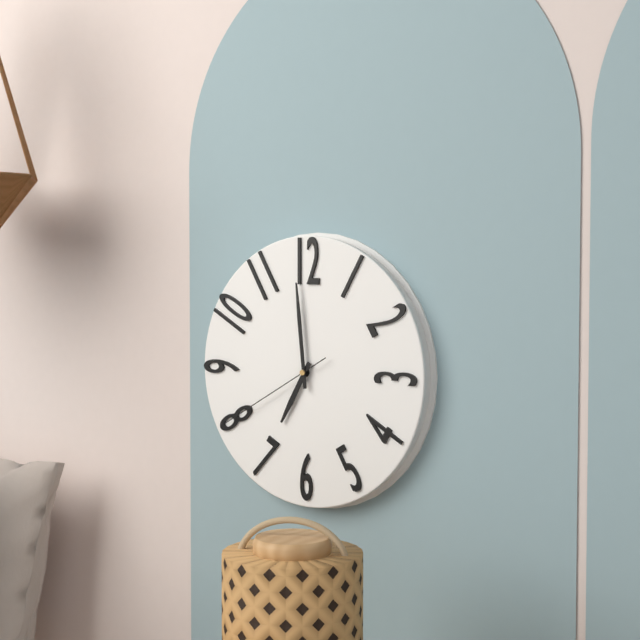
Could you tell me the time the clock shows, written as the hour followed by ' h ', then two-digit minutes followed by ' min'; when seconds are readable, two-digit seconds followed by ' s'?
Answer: 6 h 59 min 40 s
